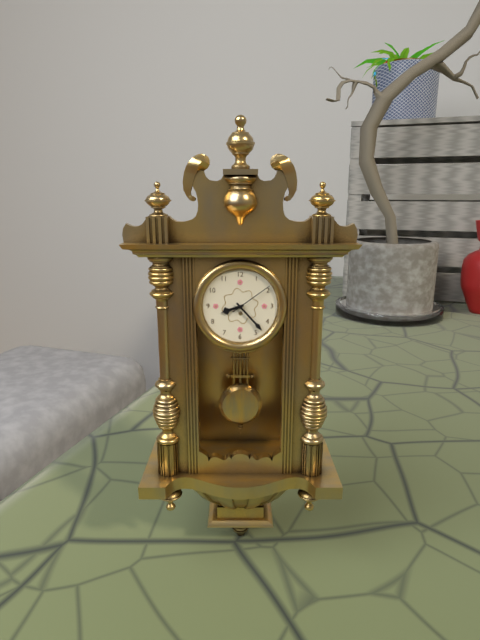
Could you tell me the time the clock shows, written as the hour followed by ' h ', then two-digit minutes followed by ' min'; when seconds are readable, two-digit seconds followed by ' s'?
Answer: 8 h 23 min
